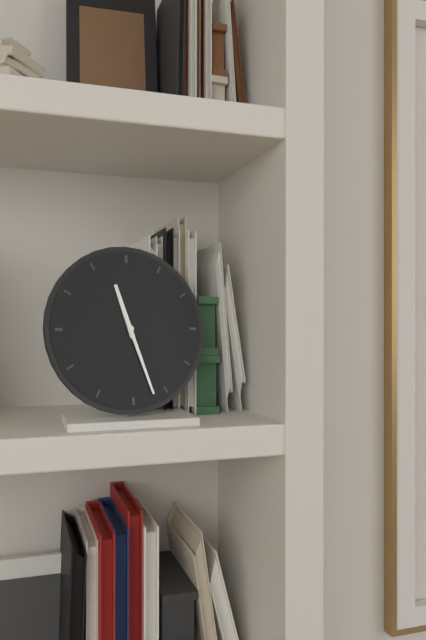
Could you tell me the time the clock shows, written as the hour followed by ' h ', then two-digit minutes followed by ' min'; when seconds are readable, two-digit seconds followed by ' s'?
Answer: 11 h 27 min
